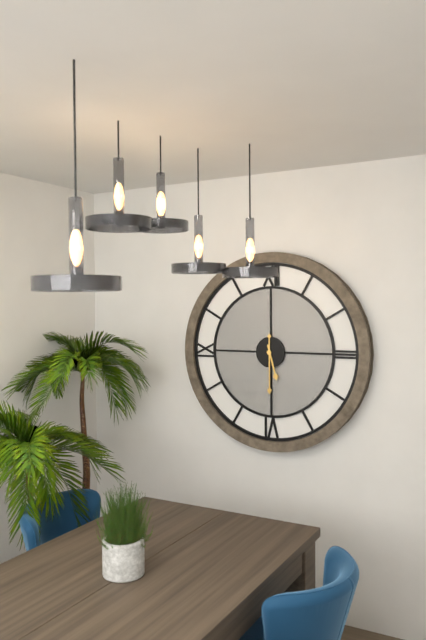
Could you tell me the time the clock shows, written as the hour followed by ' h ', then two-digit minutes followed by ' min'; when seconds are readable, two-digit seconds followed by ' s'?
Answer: 5 h 30 min
